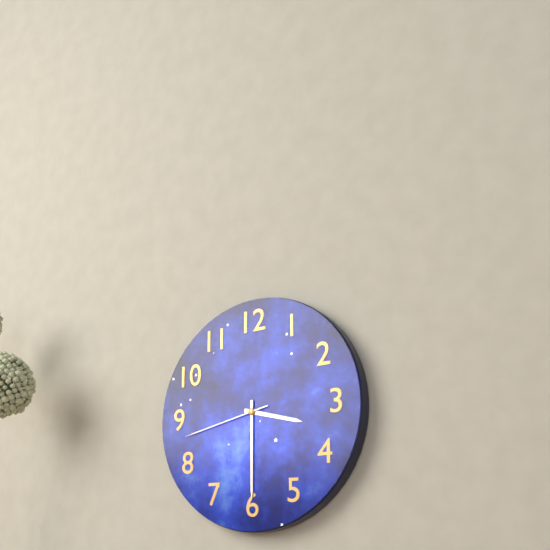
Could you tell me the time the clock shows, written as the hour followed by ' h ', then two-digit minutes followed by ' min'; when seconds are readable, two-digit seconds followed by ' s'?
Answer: 3 h 30 min 43 s
